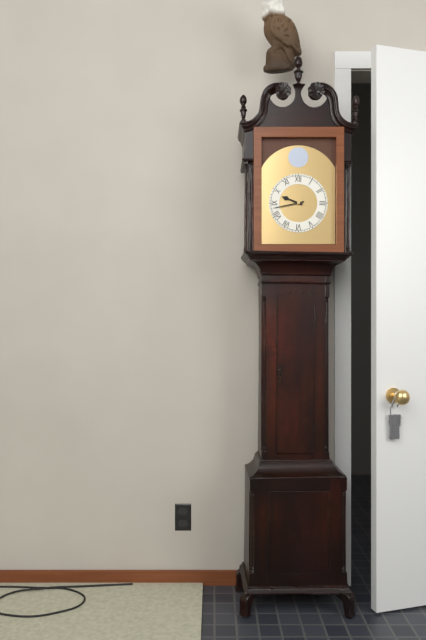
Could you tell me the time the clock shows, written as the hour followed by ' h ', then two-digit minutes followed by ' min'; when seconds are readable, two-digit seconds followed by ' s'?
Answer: 9 h 43 min
